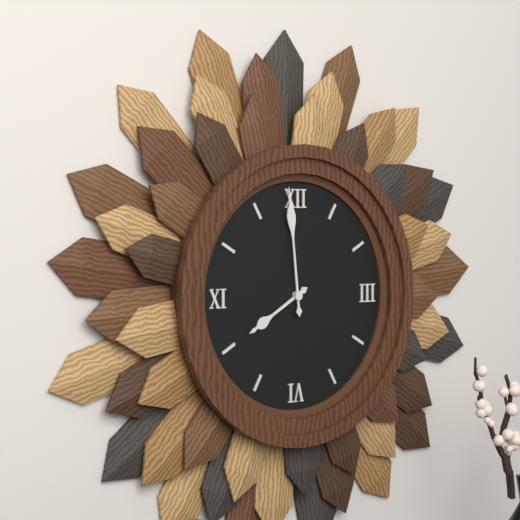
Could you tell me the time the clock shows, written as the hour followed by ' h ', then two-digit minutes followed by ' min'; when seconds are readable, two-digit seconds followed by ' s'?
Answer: 7 h 59 min
